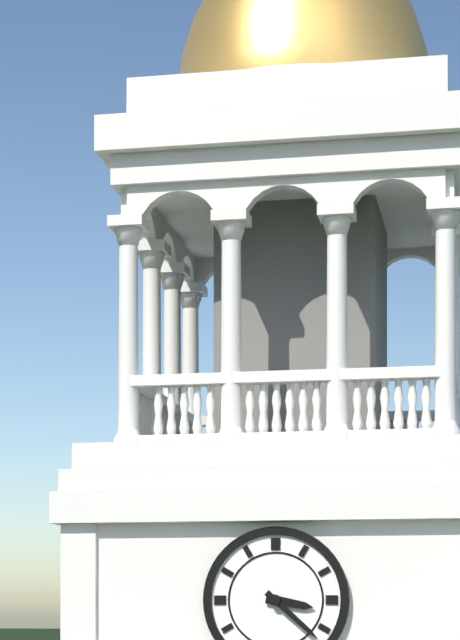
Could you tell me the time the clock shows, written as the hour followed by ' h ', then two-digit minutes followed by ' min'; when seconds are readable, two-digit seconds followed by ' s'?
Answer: 3 h 22 min
